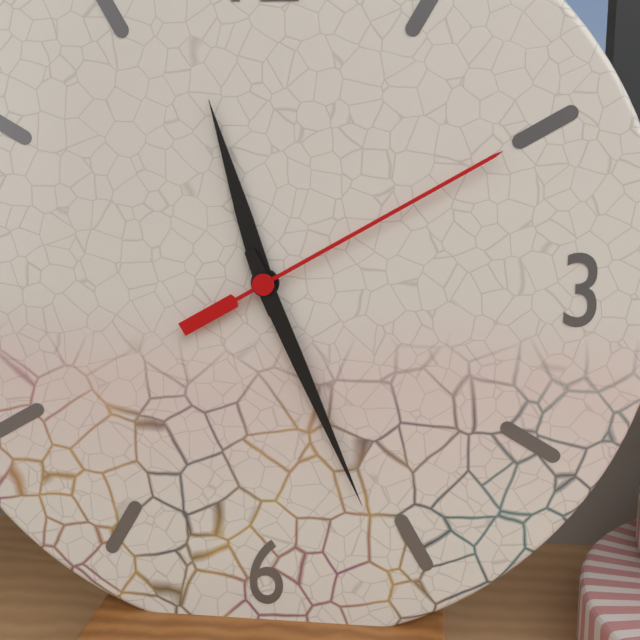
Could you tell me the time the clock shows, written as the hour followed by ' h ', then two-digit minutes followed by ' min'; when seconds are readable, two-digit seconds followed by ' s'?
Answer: 11 h 26 min 10 s
